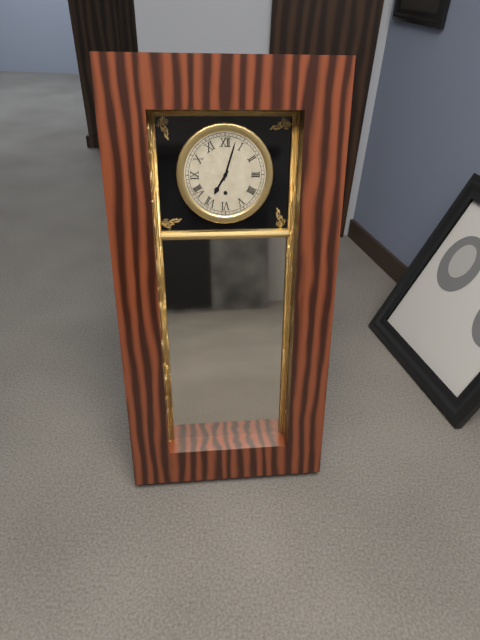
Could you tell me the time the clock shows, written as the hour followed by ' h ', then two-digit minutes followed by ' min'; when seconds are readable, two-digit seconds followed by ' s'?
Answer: 7 h 03 min
